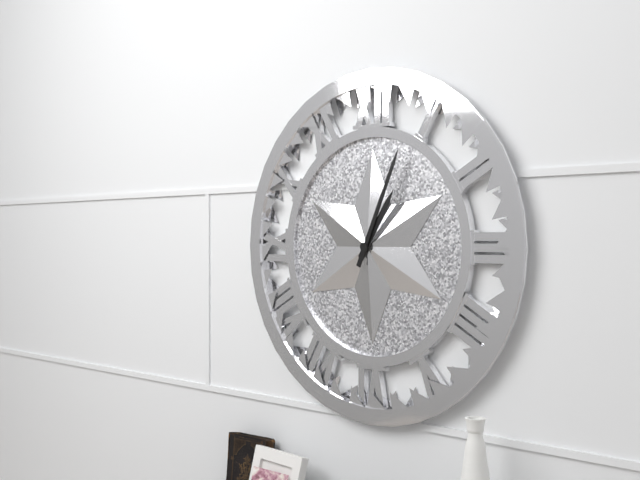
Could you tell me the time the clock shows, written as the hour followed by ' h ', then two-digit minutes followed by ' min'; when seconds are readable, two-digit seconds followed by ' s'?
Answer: 1 h 04 min
